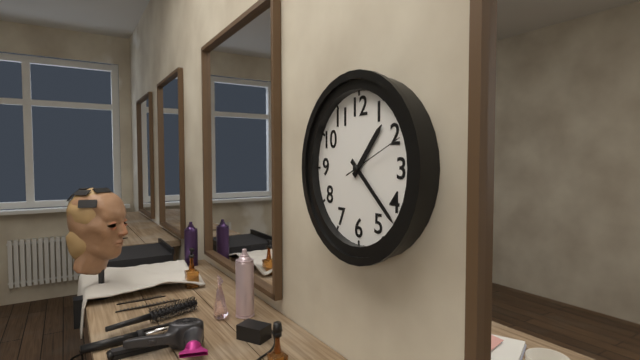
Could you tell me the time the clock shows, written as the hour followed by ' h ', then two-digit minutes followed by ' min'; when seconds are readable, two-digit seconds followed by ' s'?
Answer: 1 h 22 min 11 s
